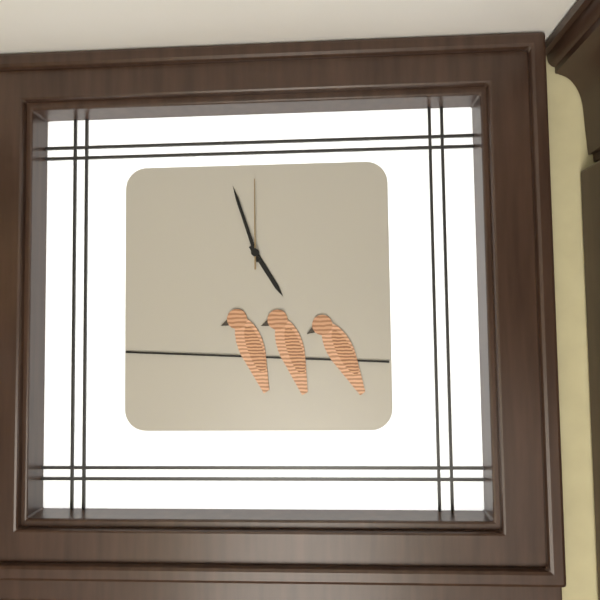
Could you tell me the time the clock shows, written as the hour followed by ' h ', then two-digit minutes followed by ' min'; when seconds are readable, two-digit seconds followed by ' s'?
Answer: 4 h 57 min 00 s
